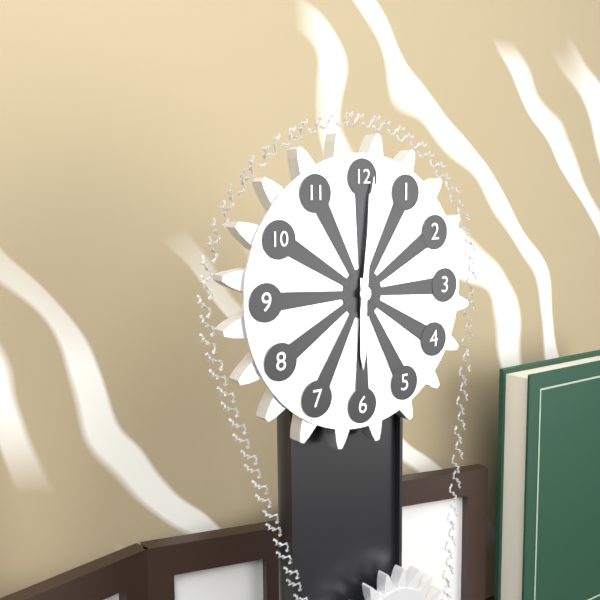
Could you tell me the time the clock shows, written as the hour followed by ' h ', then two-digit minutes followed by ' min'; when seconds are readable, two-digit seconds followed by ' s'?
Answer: 6 h 01 min
